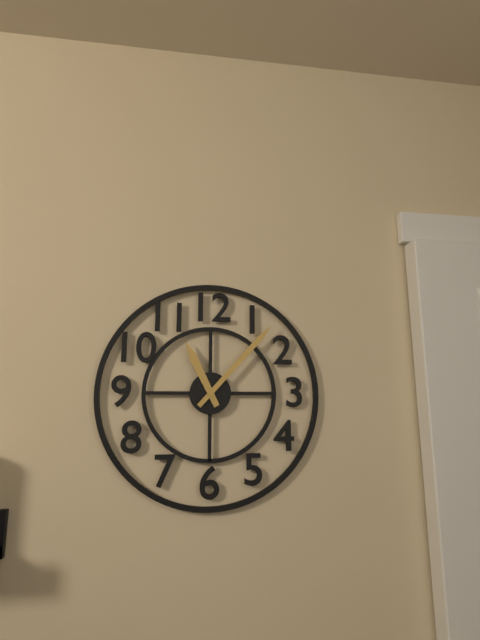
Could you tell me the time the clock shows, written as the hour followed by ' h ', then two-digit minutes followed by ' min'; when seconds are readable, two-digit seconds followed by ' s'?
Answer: 11 h 07 min
